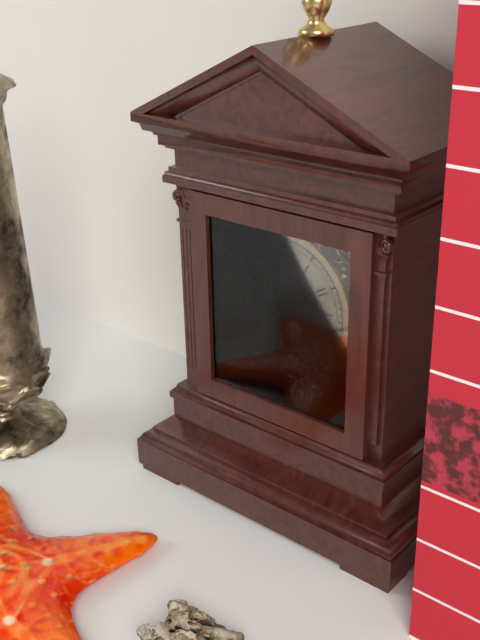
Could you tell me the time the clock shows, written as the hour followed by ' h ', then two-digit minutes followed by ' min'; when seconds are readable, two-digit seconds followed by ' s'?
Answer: 4 h 24 min 56 s
